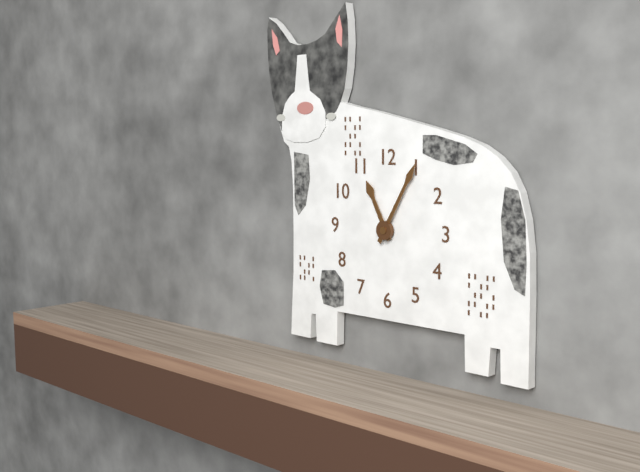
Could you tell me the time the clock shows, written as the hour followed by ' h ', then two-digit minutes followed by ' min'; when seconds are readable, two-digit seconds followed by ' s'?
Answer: 11 h 05 min
